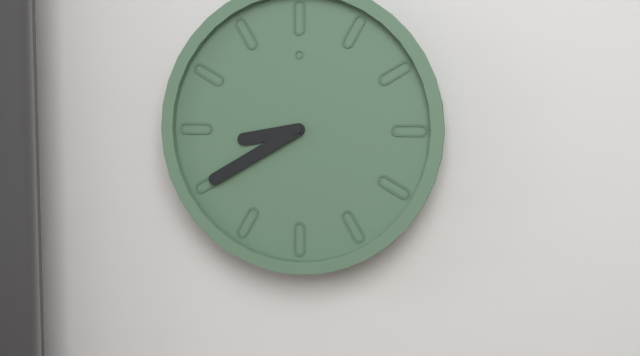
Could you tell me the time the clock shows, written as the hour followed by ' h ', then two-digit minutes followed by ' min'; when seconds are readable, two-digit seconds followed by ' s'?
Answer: 8 h 40 min
